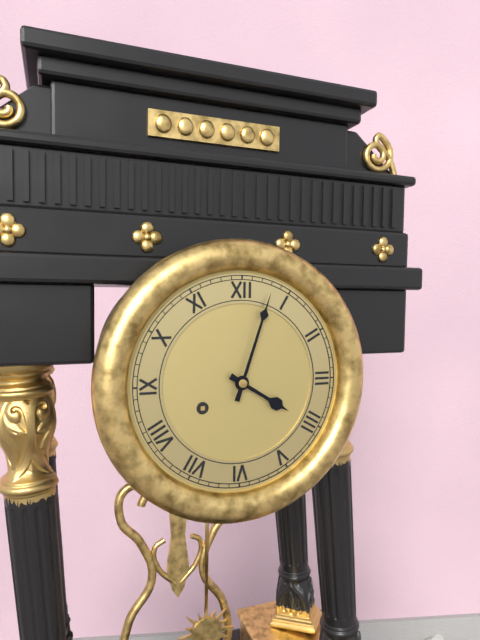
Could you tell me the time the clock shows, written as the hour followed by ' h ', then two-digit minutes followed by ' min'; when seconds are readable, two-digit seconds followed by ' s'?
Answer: 4 h 03 min
